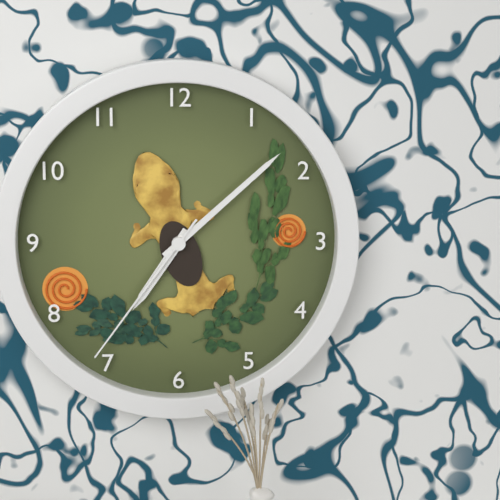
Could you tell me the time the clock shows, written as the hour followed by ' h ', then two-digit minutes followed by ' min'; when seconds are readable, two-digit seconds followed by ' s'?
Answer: 7 h 08 min 36 s
